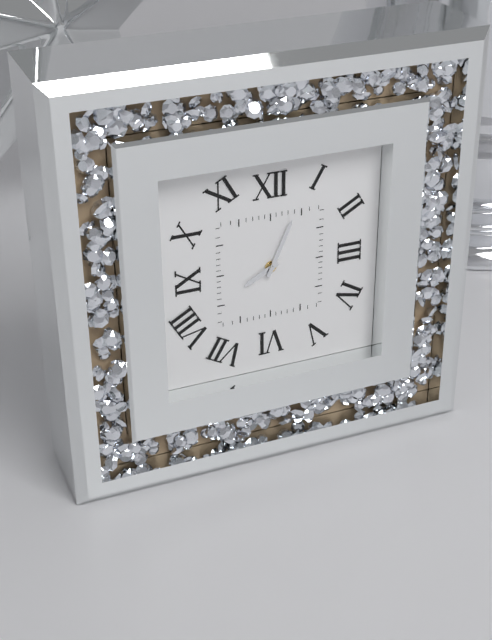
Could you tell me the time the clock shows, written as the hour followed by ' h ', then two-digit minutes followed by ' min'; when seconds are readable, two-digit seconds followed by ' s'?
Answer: 8 h 04 min
